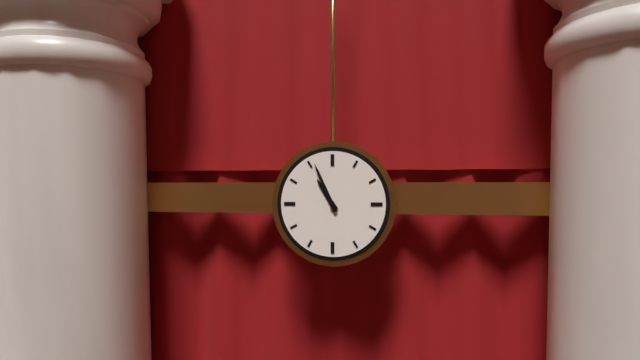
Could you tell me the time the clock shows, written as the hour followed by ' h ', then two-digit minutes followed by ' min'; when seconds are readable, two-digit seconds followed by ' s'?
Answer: 10 h 56 min
